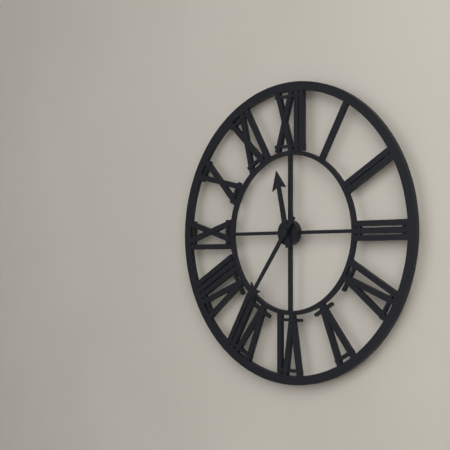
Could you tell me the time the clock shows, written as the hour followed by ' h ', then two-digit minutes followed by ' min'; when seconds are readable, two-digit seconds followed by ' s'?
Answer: 11 h 36 min
